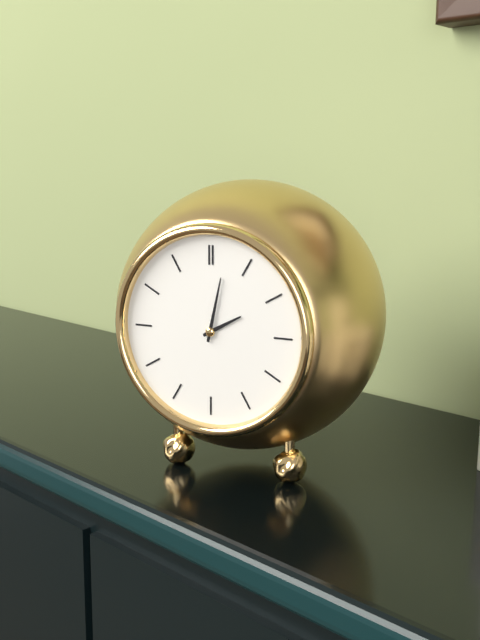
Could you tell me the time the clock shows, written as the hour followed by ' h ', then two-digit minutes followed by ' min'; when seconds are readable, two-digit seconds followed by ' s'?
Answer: 2 h 02 min
